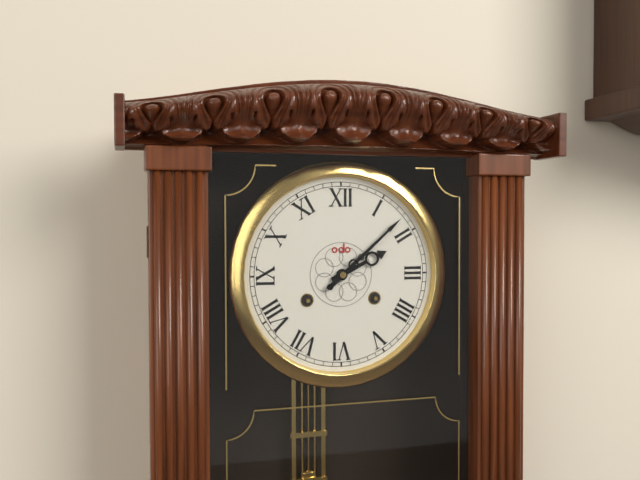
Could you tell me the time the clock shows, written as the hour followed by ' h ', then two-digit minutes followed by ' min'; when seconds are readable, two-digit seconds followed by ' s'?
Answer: 2 h 08 min
